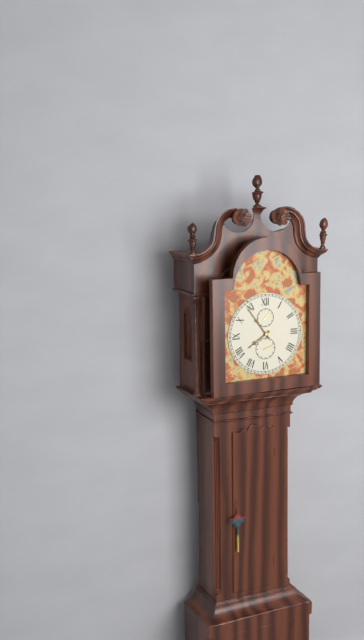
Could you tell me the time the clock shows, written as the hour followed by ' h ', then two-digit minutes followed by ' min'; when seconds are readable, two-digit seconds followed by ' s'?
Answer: 7 h 54 min
